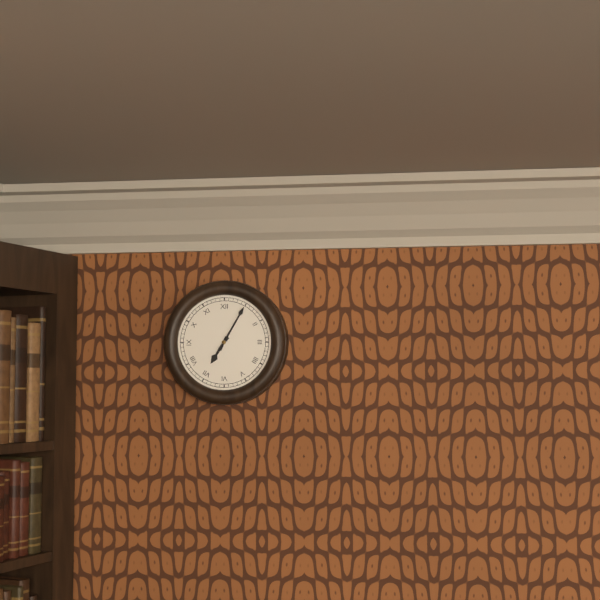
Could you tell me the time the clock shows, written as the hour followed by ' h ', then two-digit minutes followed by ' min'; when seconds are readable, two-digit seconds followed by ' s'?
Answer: 7 h 05 min
